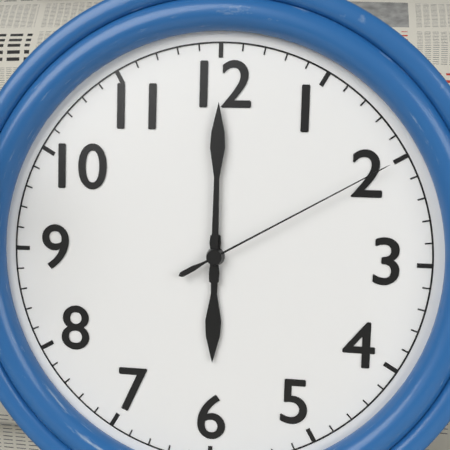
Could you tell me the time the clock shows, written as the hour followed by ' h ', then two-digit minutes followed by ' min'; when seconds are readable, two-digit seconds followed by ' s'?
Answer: 6 h 00 min 10 s
